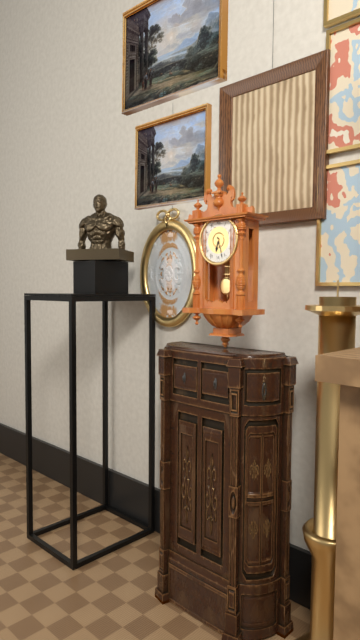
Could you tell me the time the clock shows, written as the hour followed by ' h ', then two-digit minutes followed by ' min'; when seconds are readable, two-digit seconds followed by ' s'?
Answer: 6 h 27 min
